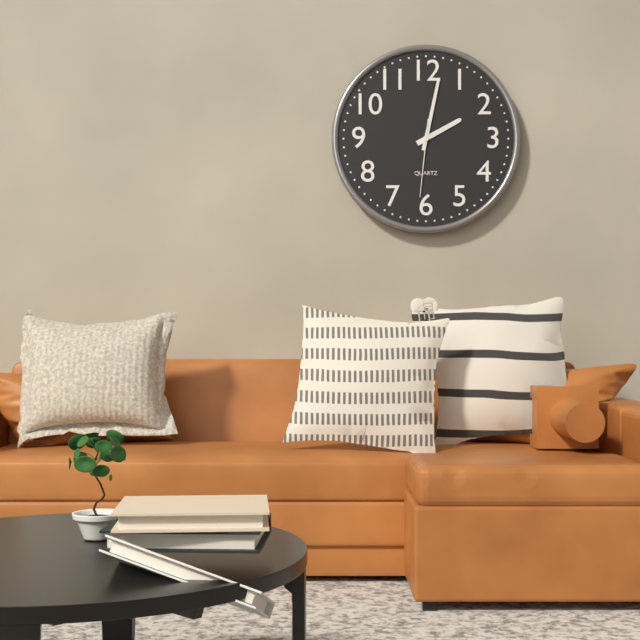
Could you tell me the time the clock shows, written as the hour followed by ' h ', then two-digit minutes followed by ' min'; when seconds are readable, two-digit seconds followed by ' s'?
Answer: 2 h 02 min 31 s
